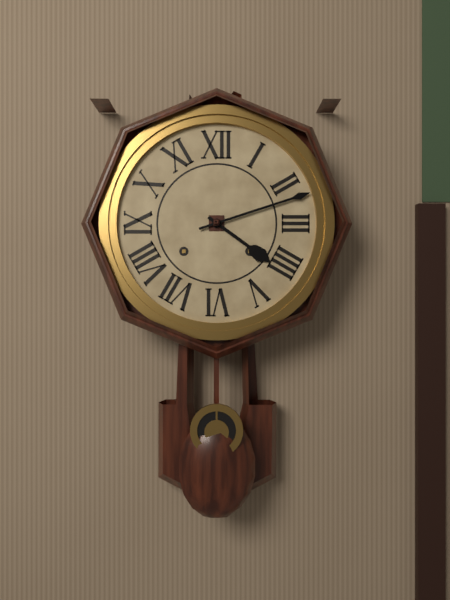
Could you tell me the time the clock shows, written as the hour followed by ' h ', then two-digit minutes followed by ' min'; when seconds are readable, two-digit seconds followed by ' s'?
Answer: 4 h 12 min
